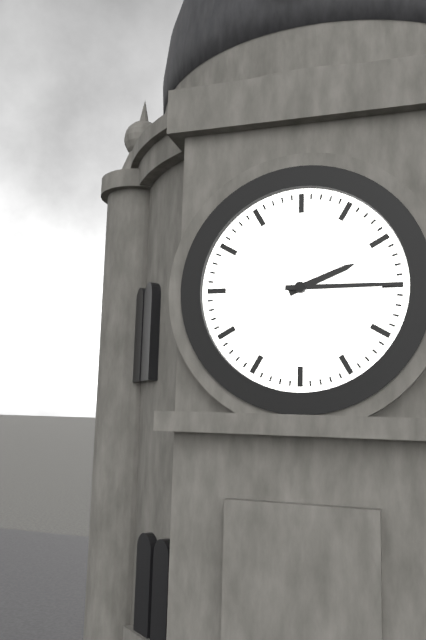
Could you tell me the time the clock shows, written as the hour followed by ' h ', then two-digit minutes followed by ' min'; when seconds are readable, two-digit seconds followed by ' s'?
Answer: 2 h 15 min
